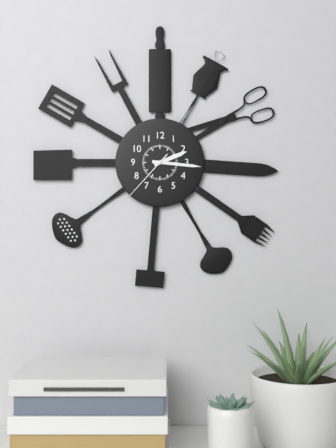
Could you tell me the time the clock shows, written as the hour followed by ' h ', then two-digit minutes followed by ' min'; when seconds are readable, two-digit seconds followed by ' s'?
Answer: 2 h 16 min 37 s
